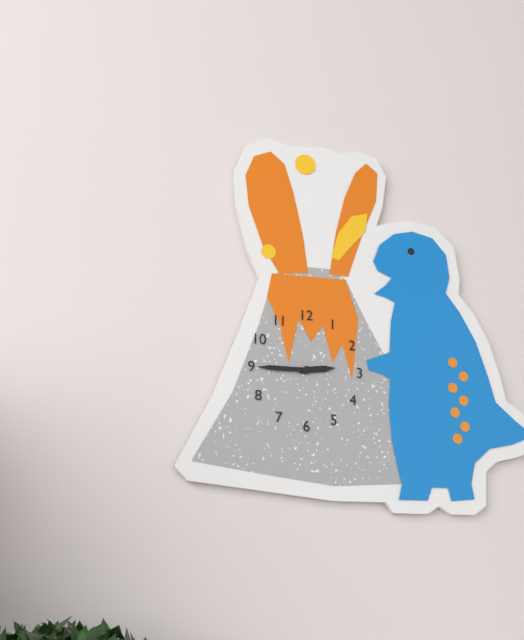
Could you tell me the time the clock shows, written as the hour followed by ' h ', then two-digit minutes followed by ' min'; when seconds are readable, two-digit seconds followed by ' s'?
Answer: 2 h 45 min
